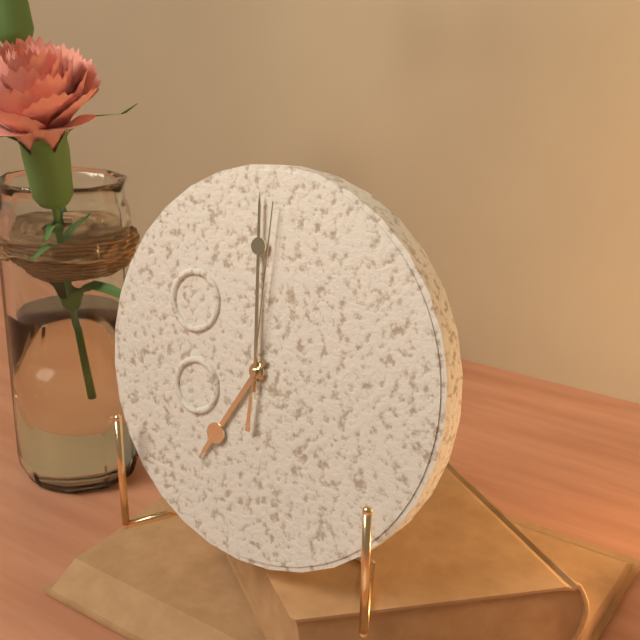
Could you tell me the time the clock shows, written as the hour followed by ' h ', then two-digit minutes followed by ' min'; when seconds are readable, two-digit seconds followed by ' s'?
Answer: 6 h 59 min 00 s
